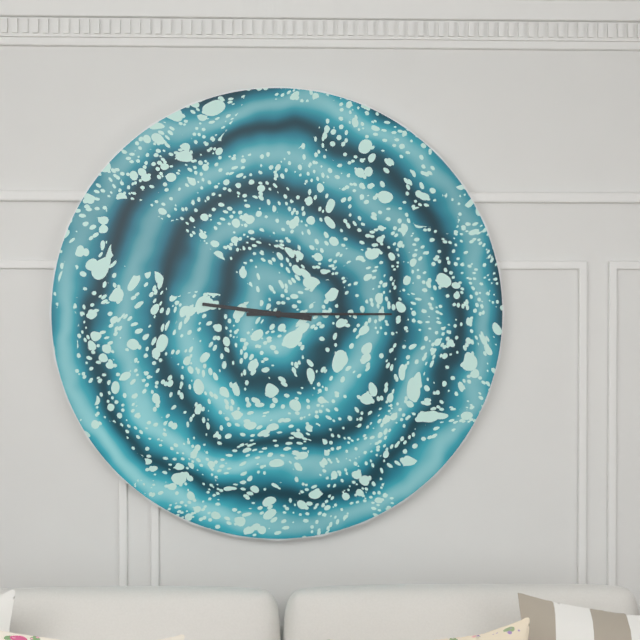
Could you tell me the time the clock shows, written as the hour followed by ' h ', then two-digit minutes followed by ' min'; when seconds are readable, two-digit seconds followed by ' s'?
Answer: 9 h 15 min
